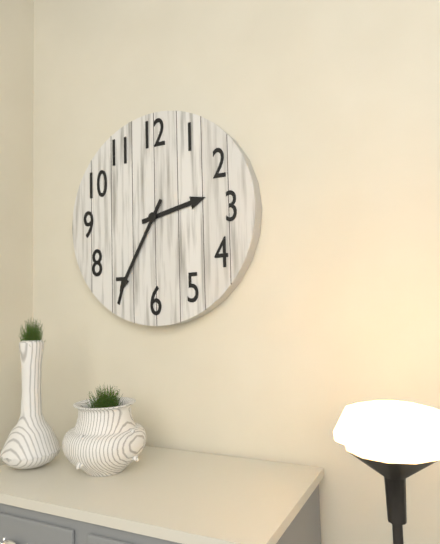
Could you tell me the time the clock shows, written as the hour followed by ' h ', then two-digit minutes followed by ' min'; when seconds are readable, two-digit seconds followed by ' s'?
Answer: 2 h 35 min
